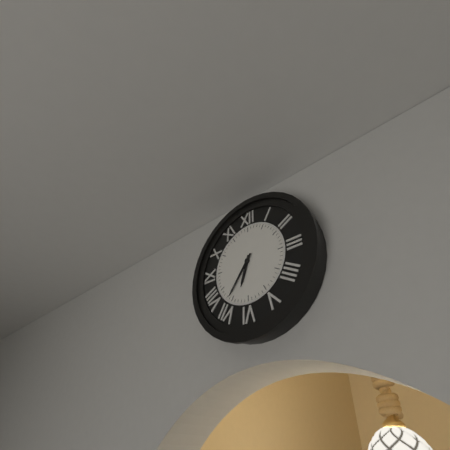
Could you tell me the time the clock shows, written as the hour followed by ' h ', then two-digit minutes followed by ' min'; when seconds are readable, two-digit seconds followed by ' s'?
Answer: 6 h 36 min
